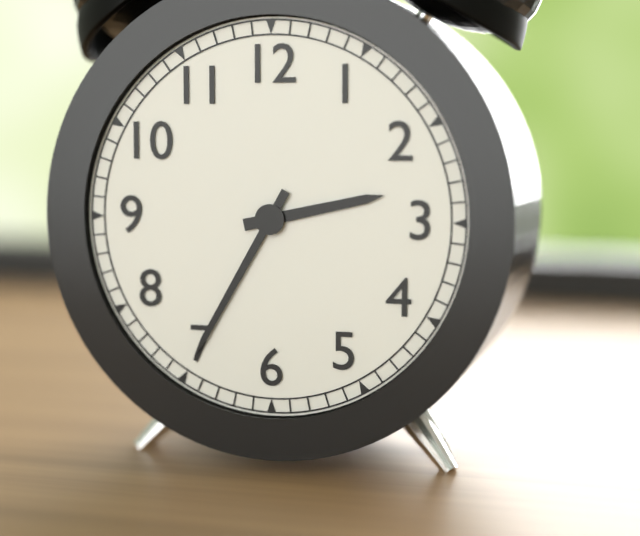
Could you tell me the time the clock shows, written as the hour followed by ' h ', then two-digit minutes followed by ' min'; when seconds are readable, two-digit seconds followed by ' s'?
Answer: 2 h 35 min
